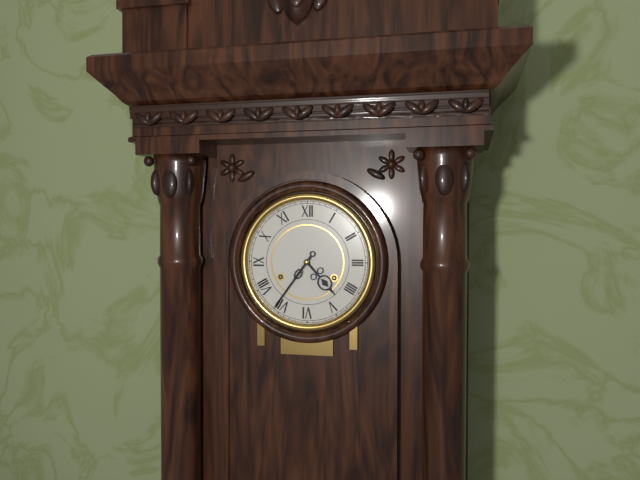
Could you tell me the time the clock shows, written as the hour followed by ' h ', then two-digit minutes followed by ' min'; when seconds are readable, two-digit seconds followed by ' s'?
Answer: 4 h 36 min
